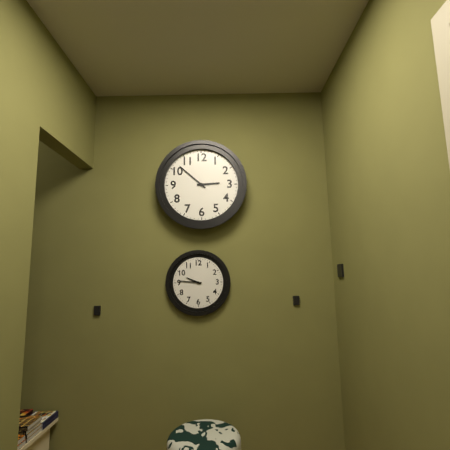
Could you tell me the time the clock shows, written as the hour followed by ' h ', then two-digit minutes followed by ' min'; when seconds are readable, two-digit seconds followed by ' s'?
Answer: 2 h 52 min
